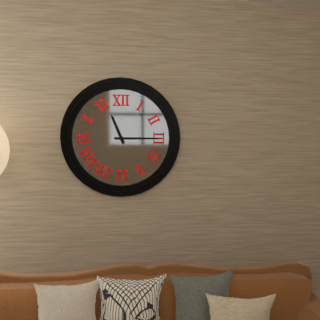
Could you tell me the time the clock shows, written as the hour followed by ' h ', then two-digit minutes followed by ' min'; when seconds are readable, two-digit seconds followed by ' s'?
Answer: 11 h 15 min
